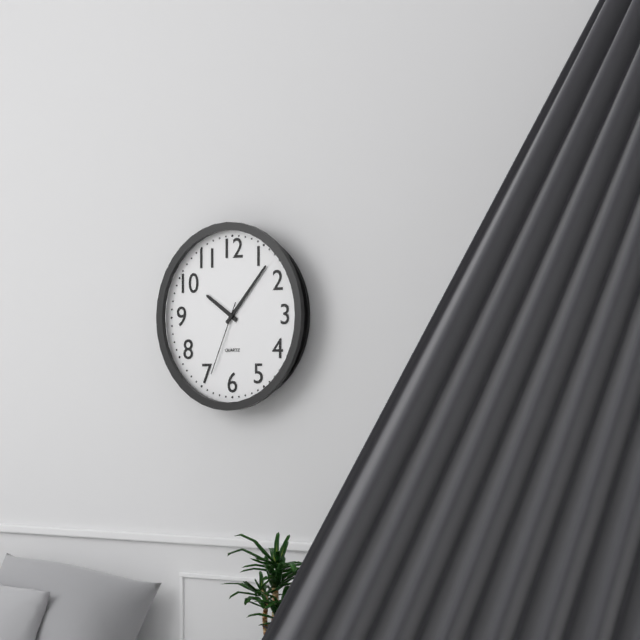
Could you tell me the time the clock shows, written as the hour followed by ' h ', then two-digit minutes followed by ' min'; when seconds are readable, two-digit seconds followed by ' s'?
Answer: 10 h 07 min 34 s
